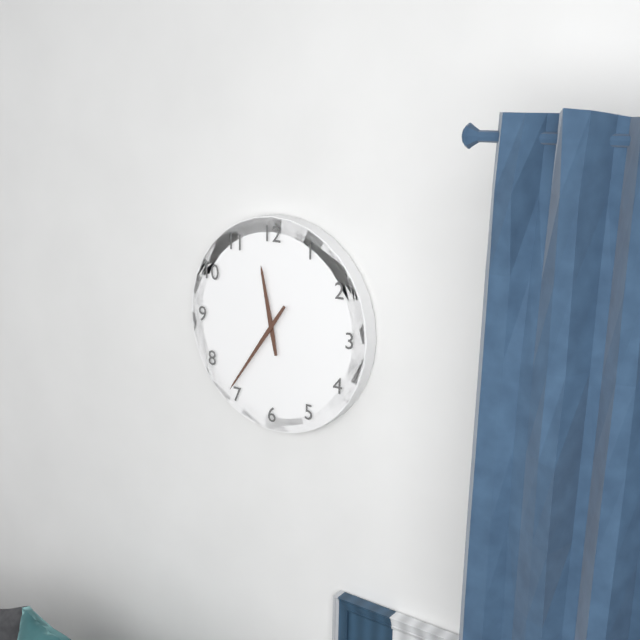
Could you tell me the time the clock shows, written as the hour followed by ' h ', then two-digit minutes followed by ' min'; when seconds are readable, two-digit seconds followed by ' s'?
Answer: 11 h 36 min
